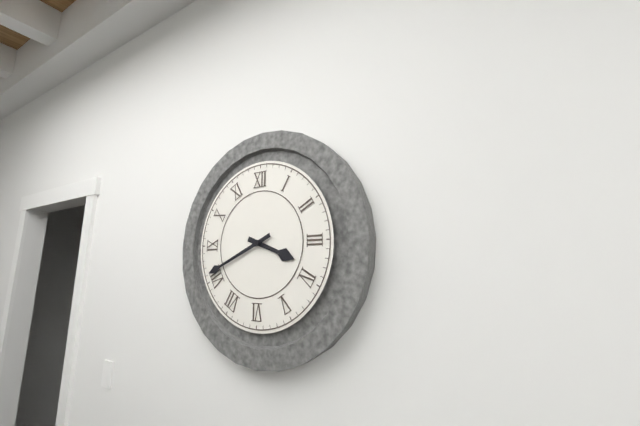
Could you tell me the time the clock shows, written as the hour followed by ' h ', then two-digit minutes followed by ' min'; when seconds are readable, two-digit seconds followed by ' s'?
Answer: 3 h 41 min
